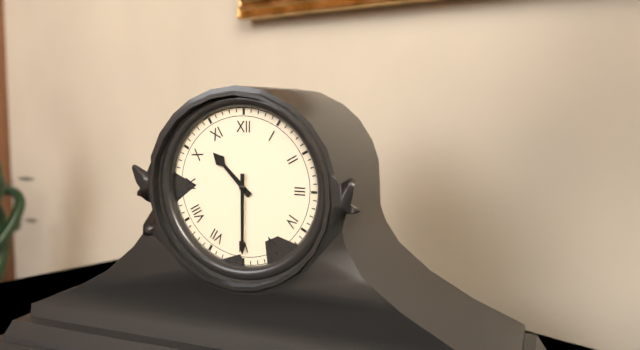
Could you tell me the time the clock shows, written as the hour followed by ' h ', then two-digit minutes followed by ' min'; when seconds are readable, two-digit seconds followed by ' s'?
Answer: 10 h 30 min
